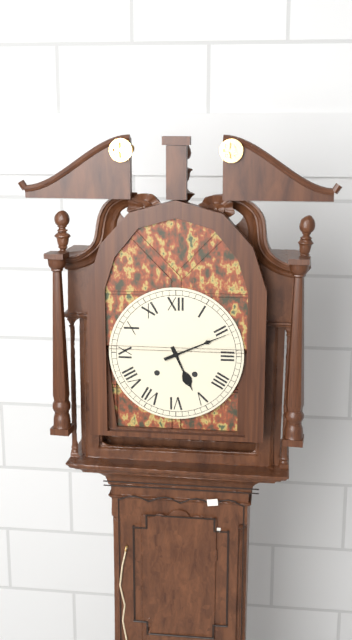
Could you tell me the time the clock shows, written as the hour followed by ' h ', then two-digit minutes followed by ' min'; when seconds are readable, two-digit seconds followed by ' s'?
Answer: 5 h 11 min
